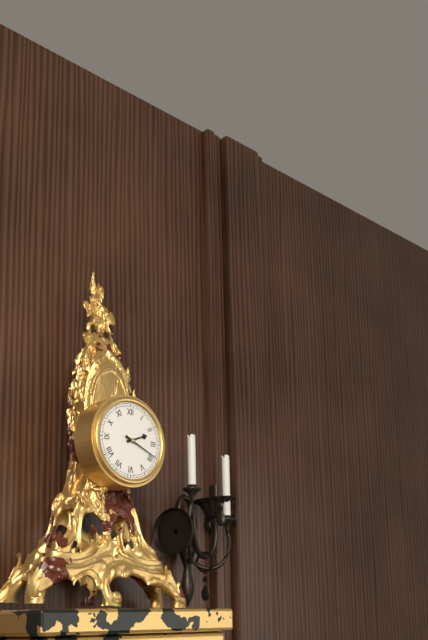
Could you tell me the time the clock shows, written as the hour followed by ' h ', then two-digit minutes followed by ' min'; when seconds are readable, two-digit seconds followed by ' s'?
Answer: 2 h 19 min
